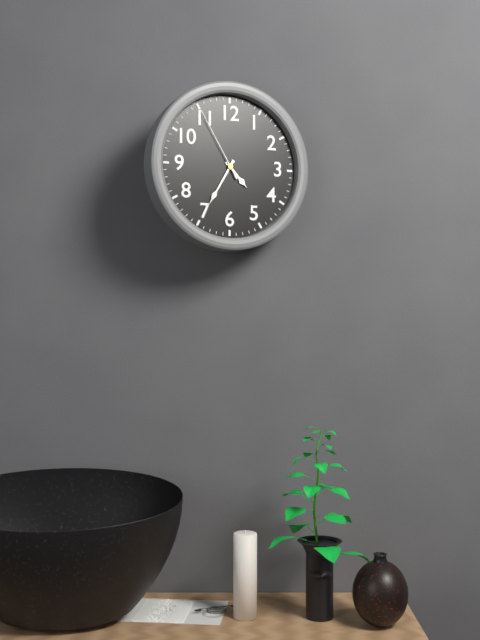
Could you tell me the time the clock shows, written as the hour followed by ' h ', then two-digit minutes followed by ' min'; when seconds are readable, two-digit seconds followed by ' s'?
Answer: 4 h 35 min 55 s
